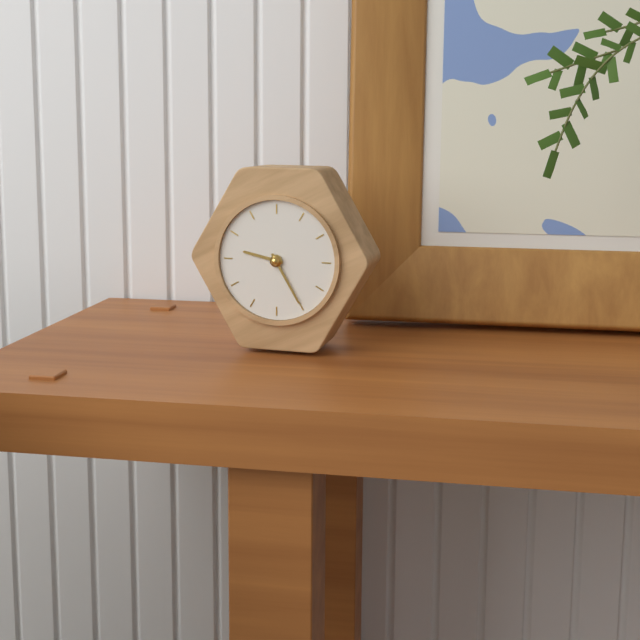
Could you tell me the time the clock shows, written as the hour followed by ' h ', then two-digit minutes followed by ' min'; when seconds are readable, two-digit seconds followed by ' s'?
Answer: 9 h 25 min
